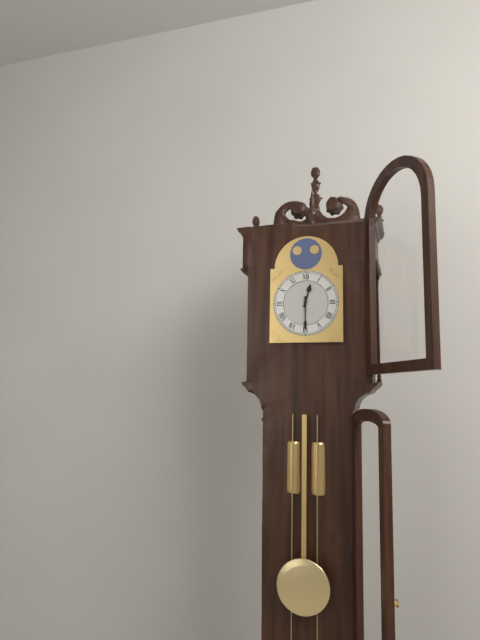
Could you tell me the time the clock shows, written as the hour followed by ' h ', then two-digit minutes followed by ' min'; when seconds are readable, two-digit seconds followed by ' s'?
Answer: 12 h 30 min
